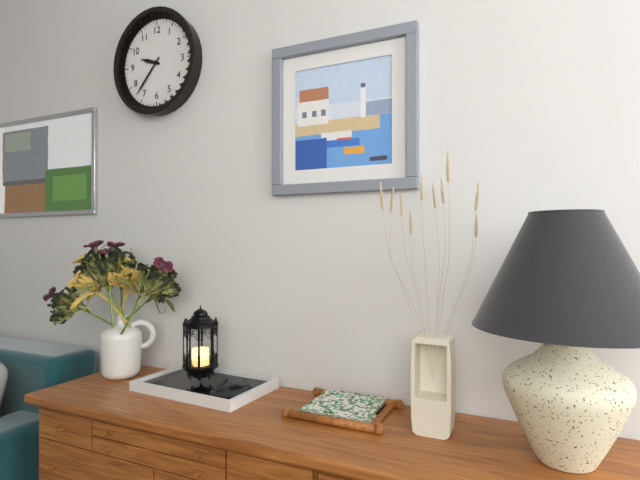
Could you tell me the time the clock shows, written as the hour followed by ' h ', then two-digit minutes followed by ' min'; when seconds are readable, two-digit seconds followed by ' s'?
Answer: 9 h 37 min
